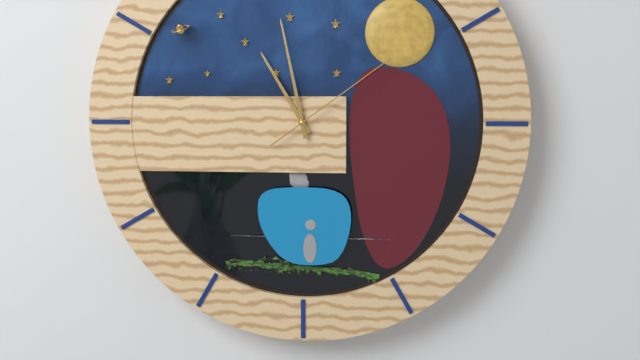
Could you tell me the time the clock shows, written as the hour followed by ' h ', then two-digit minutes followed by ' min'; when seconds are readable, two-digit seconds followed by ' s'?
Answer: 10 h 58 min 09 s
